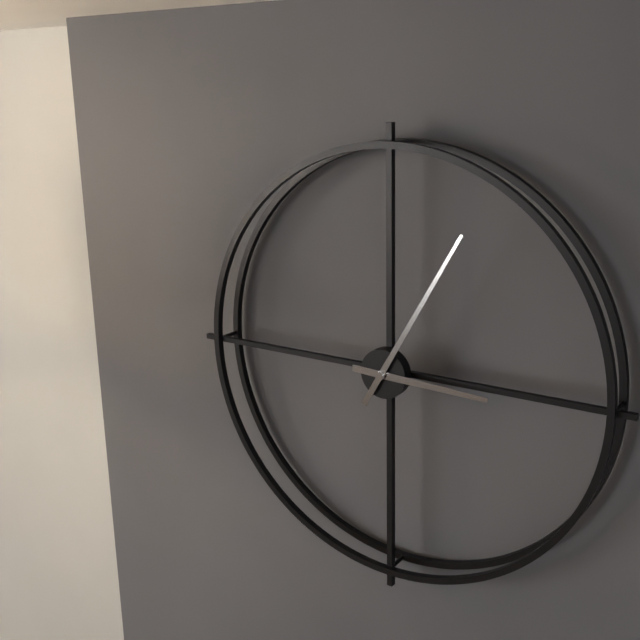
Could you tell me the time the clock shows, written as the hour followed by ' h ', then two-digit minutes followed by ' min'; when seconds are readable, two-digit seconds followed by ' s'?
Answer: 3 h 05 min
